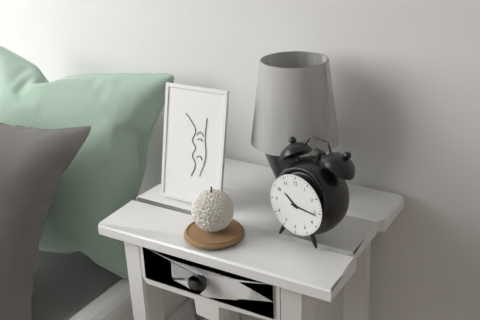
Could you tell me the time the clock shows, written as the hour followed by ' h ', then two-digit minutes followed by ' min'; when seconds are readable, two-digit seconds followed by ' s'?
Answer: 10 h 16 min
